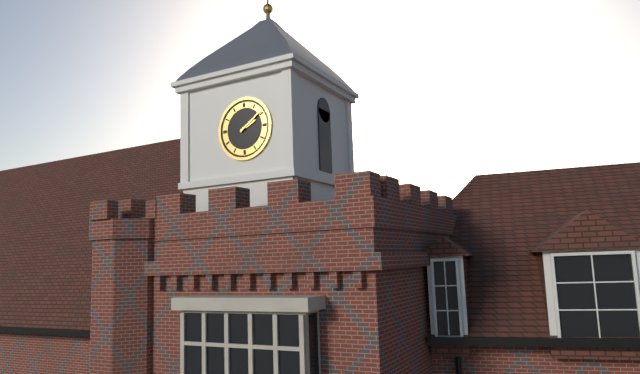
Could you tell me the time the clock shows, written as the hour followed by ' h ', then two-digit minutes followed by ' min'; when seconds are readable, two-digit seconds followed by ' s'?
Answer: 2 h 09 min
